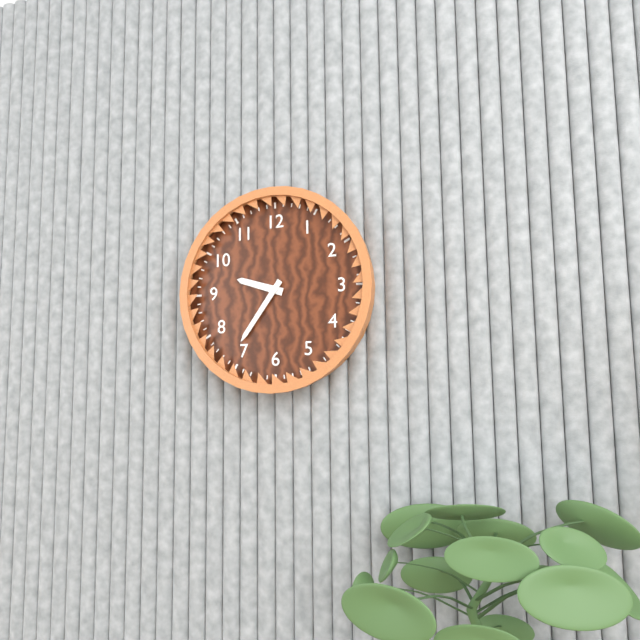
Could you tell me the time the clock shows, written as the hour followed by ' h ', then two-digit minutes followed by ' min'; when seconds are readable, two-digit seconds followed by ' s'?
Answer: 9 h 36 min
